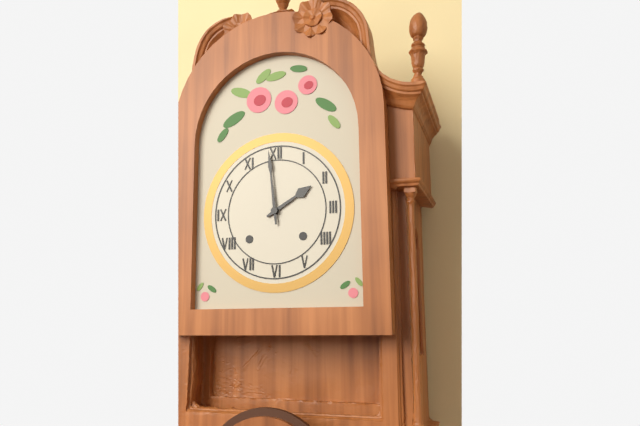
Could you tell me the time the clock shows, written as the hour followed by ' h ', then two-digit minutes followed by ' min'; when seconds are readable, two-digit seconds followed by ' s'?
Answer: 1 h 59 min
